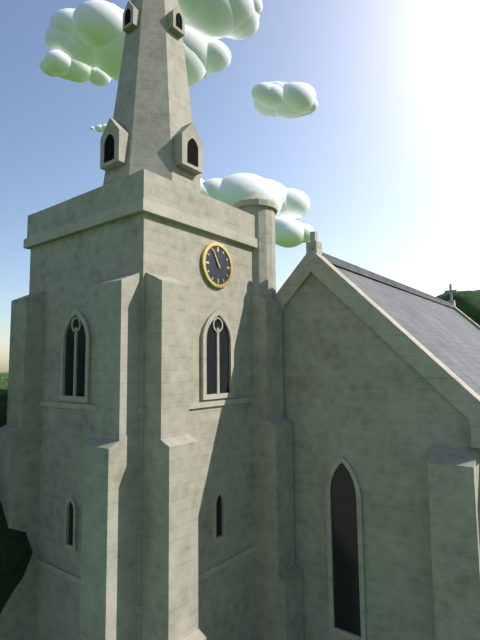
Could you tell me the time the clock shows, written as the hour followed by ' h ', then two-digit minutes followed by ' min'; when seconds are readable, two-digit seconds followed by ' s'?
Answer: 10 h 55 min
